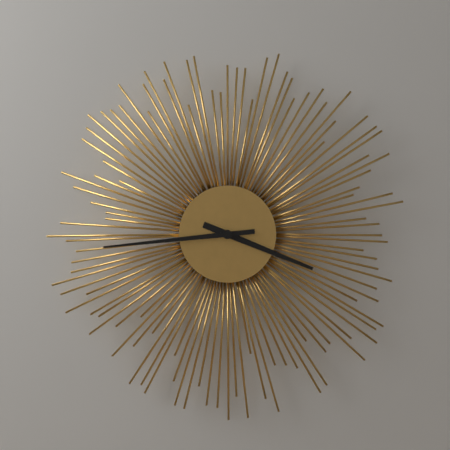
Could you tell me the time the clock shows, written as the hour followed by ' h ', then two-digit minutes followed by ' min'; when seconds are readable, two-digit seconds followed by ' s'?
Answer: 3 h 44 min
